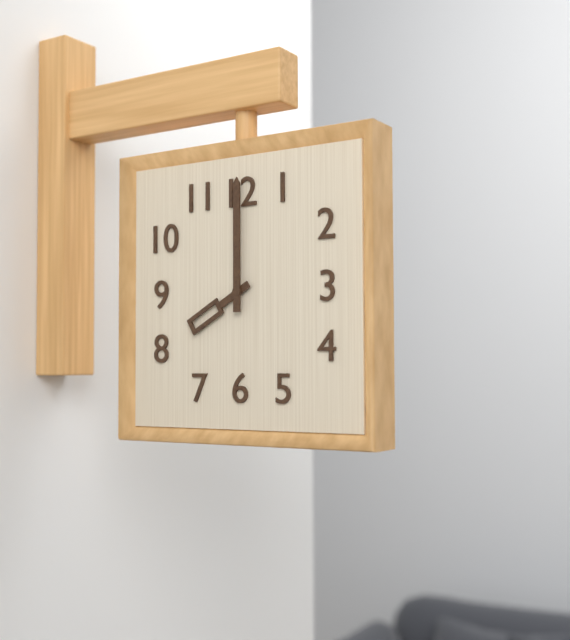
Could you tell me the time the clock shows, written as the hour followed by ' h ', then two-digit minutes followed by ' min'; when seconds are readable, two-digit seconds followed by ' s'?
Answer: 8 h 00 min
